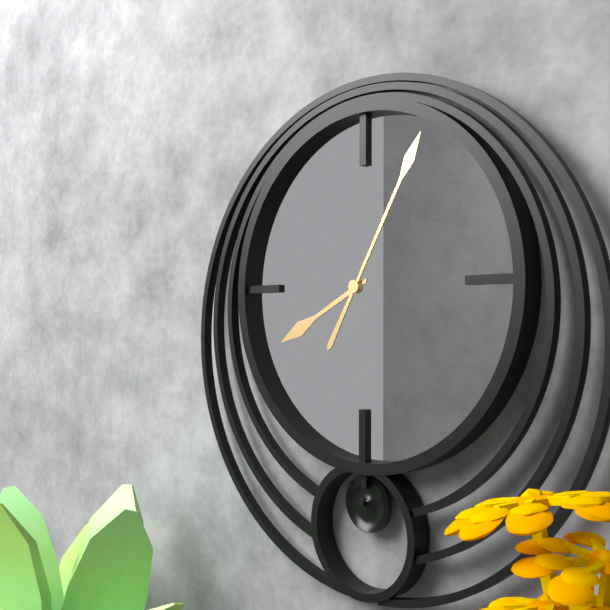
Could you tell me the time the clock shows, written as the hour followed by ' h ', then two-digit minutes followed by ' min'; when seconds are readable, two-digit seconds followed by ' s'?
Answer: 8 h 05 min
